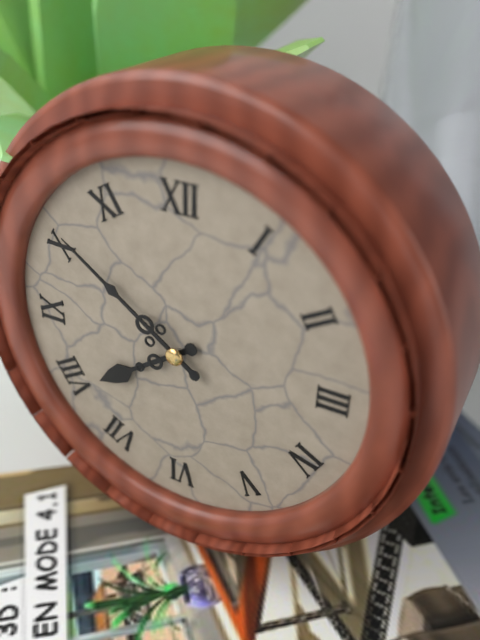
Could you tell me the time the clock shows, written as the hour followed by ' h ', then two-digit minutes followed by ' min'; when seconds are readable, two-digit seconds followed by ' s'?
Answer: 7 h 51 min
